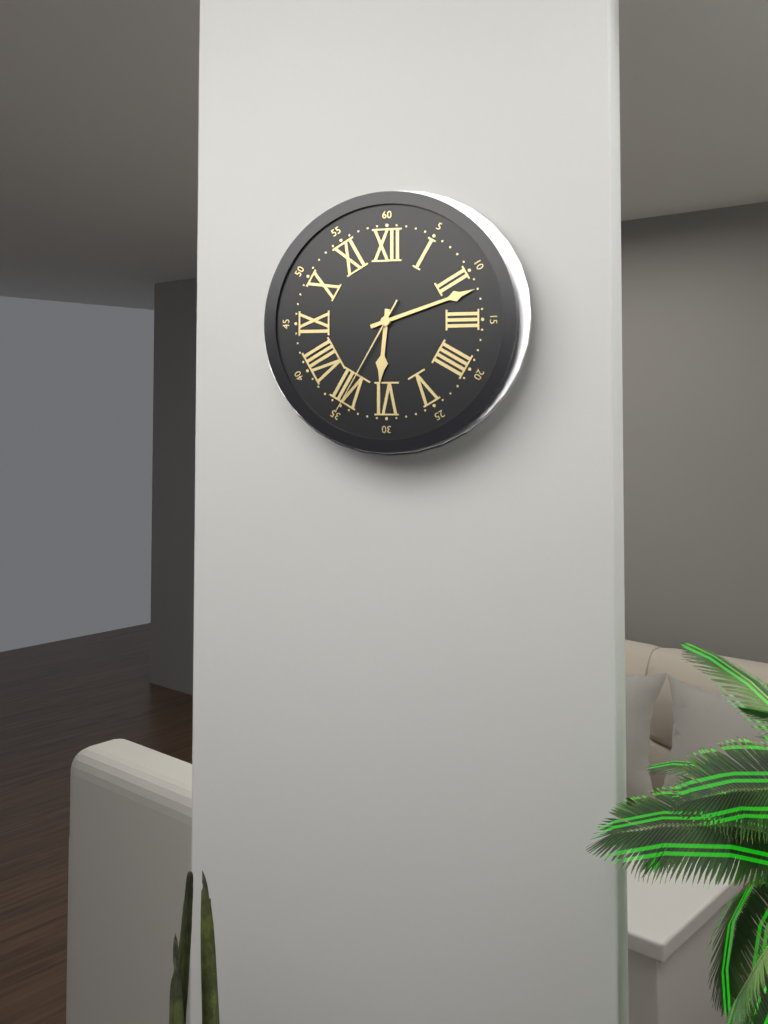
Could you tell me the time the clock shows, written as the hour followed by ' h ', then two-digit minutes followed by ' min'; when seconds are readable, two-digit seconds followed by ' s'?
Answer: 6 h 12 min 35 s
